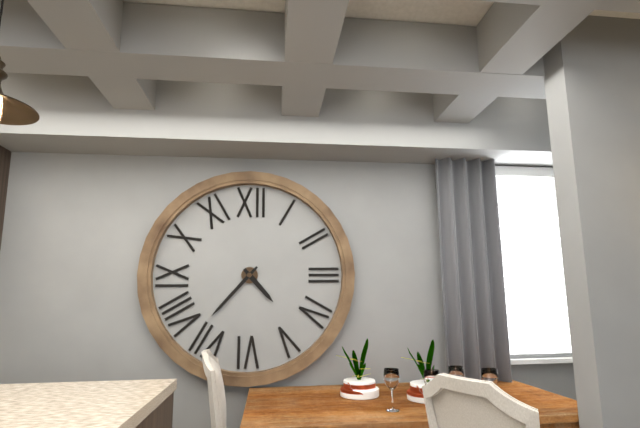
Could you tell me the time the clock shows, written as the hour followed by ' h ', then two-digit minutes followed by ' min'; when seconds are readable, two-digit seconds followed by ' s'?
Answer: 4 h 37 min
